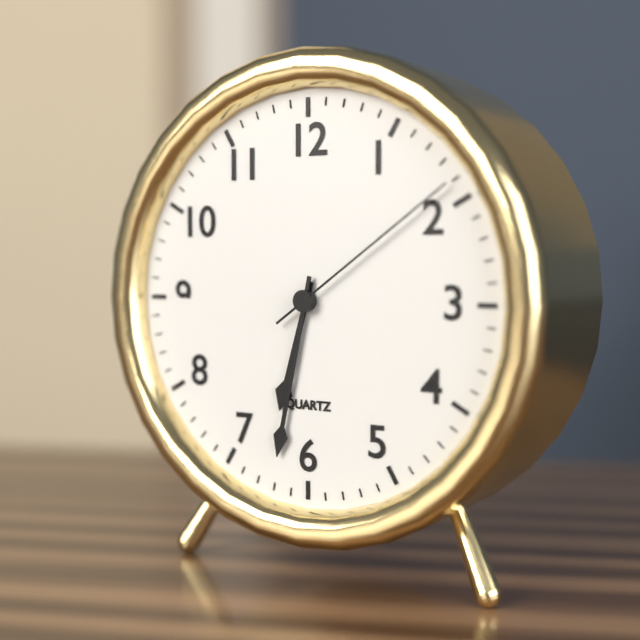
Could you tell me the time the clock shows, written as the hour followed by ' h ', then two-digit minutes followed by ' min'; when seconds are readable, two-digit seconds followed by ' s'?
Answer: 6 h 32 min 09 s
